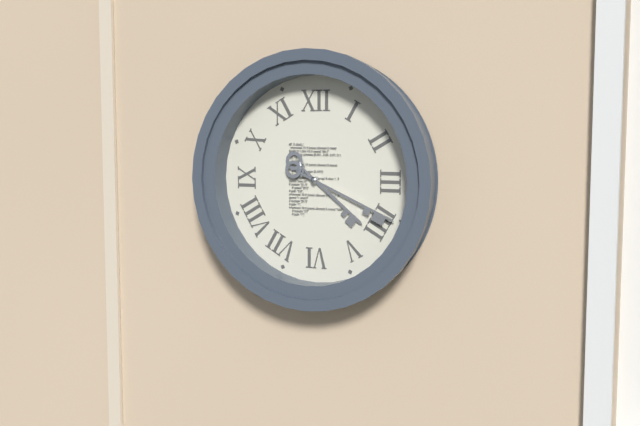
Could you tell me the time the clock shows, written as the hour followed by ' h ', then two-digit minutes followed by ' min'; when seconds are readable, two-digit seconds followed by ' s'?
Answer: 4 h 19 min
